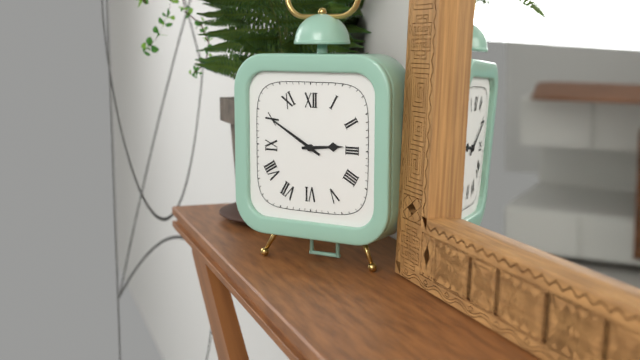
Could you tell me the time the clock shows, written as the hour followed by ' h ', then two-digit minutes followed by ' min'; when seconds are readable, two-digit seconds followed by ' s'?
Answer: 2 h 50 min
